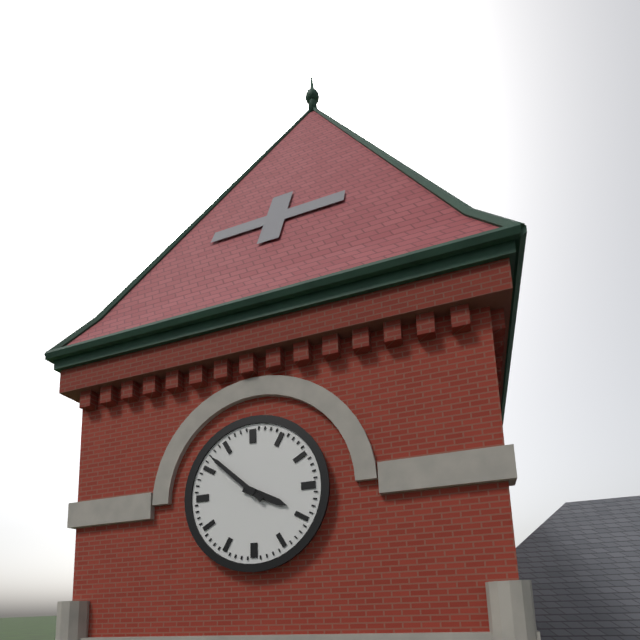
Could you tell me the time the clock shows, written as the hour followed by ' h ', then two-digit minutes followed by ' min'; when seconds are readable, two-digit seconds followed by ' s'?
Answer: 3 h 52 min
